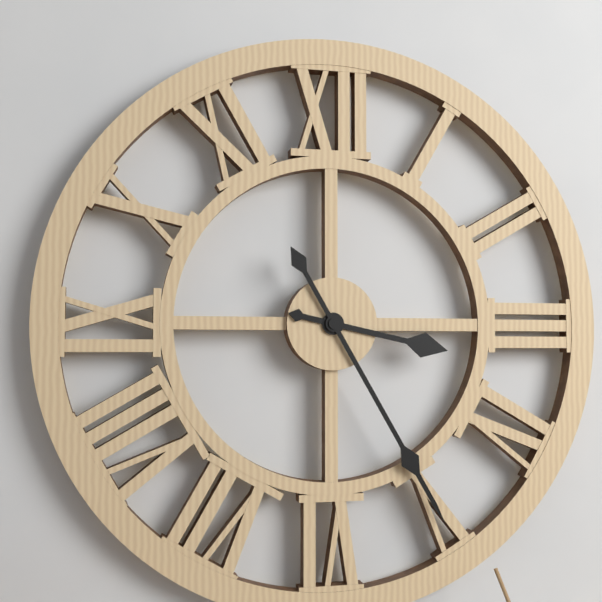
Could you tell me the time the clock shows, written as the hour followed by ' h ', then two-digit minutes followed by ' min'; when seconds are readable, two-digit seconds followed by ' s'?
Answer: 3 h 25 min
